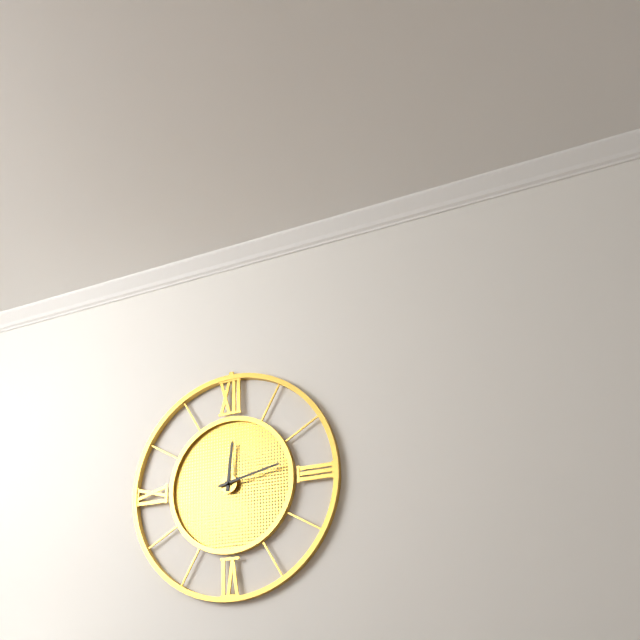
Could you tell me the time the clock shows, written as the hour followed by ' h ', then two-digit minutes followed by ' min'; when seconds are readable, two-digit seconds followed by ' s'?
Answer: 12 h 13 min
